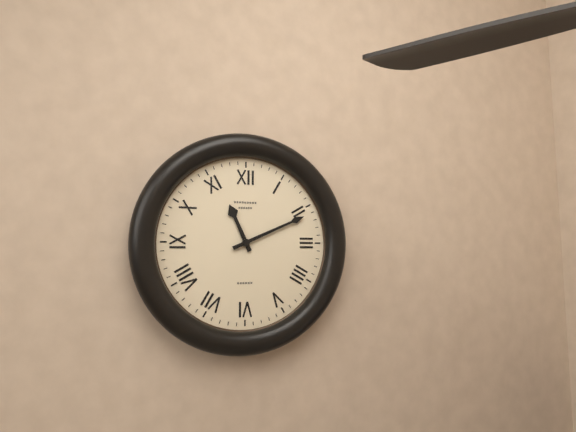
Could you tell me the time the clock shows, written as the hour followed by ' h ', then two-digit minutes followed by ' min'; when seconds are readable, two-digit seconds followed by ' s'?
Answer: 11 h 11 min
